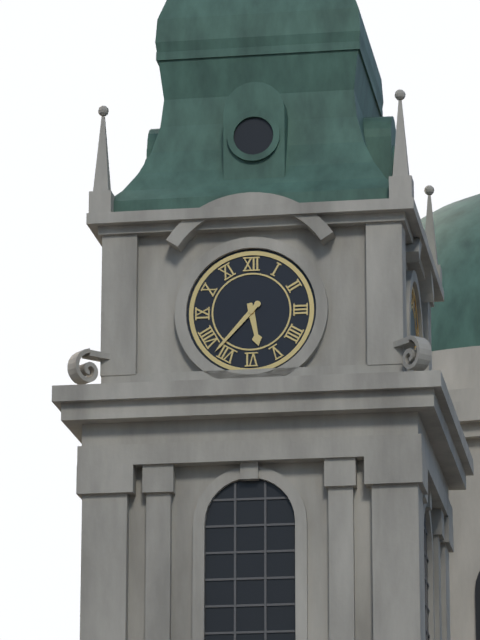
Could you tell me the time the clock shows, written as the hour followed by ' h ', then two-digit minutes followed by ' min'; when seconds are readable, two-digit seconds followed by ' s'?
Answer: 5 h 37 min
